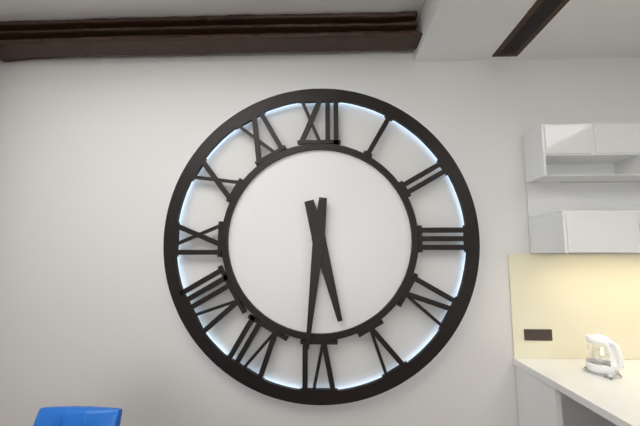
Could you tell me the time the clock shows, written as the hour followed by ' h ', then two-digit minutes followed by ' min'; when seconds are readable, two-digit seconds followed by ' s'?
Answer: 5 h 31 min
